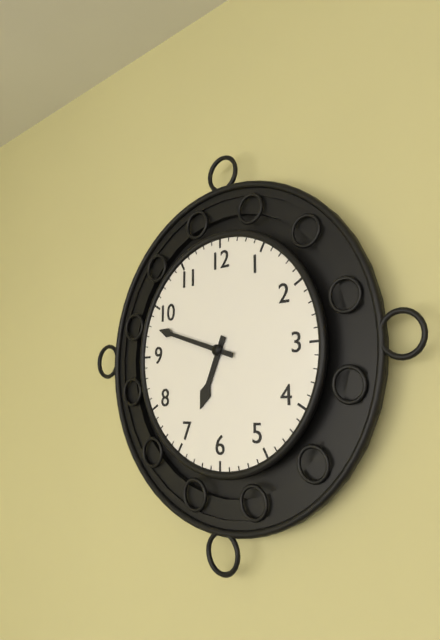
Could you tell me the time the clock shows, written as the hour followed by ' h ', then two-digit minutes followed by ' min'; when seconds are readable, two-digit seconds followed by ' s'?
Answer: 6 h 48 min
